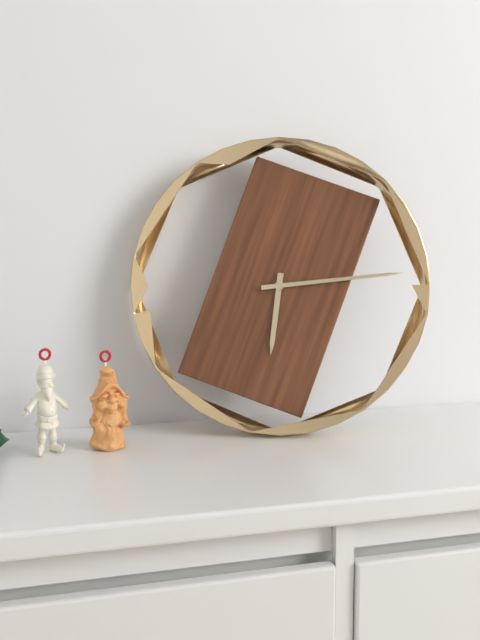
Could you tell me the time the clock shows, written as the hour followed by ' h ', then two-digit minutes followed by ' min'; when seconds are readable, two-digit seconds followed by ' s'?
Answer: 6 h 14 min
